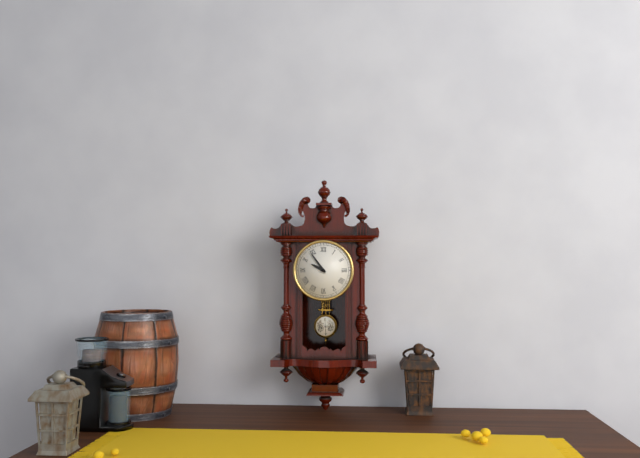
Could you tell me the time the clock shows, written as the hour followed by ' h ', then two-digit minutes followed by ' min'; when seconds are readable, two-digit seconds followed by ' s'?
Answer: 9 h 54 min
